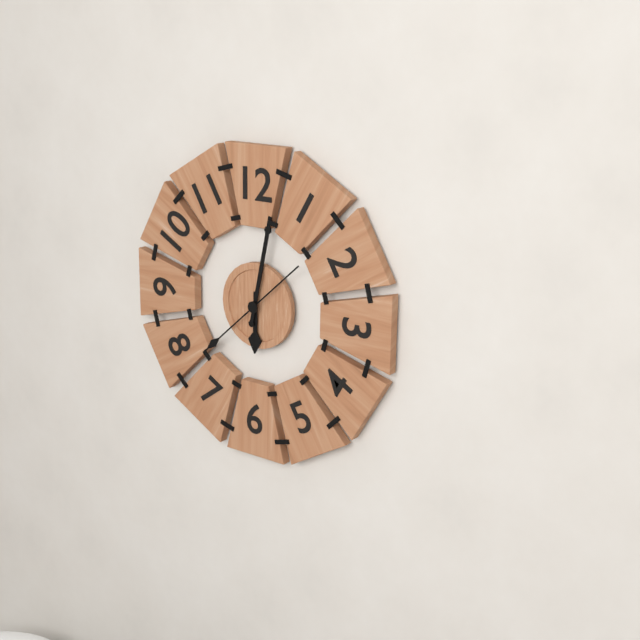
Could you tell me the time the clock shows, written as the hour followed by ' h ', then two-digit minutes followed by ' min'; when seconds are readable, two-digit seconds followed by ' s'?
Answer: 6 h 02 min 38 s
